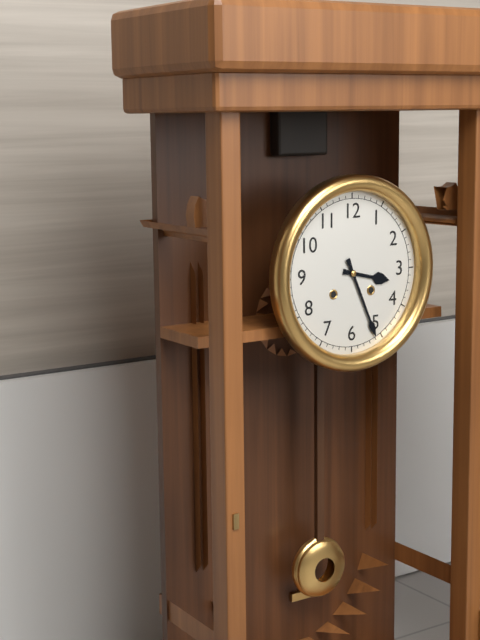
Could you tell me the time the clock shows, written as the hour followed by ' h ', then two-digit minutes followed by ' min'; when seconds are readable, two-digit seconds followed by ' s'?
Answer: 3 h 26 min
